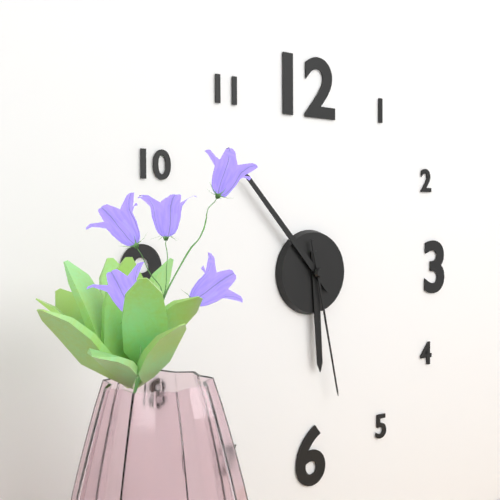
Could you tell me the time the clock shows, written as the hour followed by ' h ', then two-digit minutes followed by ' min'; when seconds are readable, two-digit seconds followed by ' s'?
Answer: 5 h 53 min 28 s
